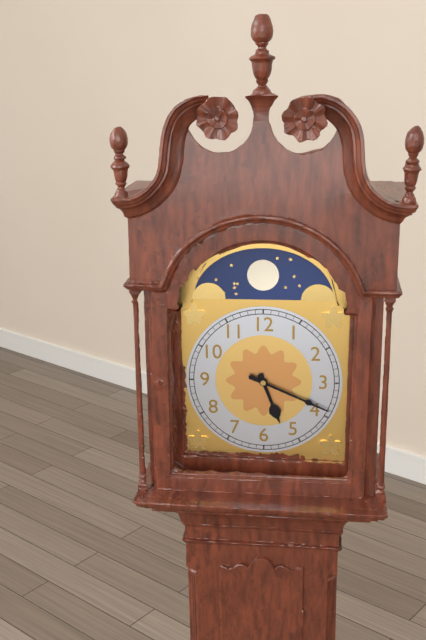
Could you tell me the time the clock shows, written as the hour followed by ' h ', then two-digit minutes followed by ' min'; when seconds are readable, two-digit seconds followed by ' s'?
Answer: 5 h 19 min
